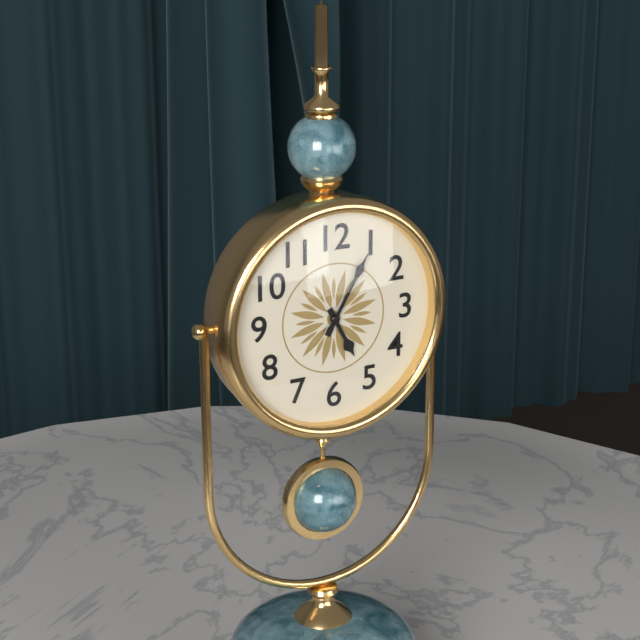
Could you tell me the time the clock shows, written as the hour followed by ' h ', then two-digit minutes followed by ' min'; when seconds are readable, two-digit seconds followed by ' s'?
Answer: 5 h 05 min
